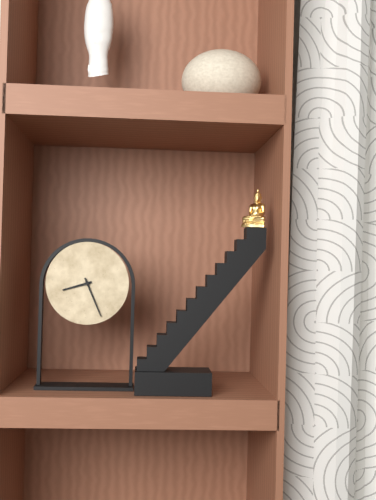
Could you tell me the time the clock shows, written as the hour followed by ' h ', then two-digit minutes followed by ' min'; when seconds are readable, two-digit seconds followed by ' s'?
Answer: 8 h 26 min
